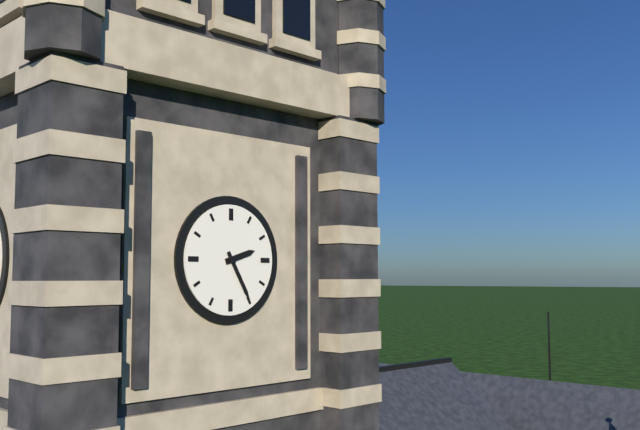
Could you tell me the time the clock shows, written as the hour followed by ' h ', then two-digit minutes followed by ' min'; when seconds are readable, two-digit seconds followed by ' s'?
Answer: 2 h 25 min
